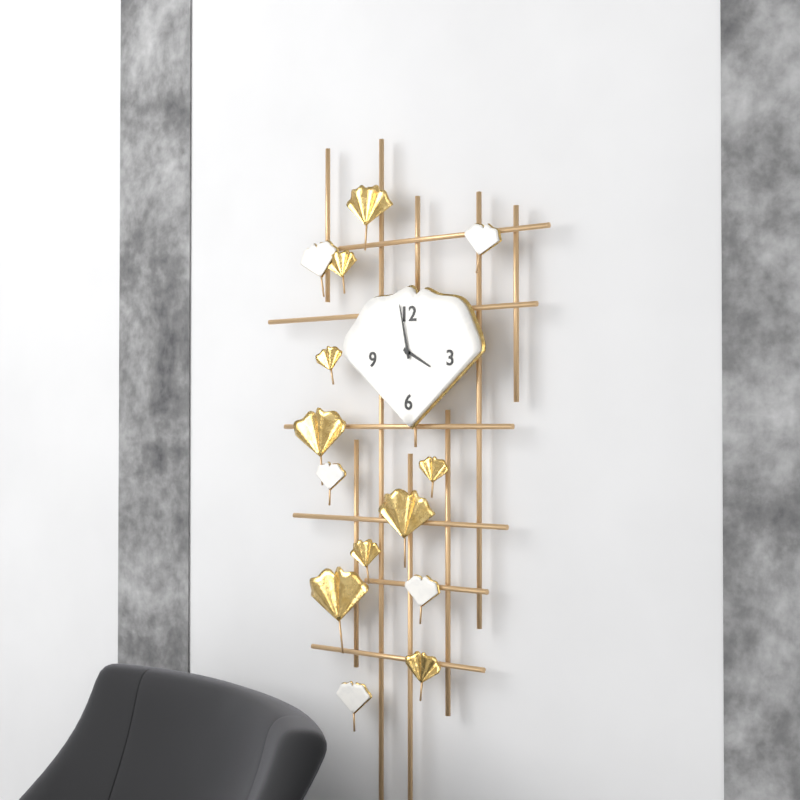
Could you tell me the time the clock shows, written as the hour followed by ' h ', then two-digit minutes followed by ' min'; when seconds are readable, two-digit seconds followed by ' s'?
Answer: 3 h 58 min
